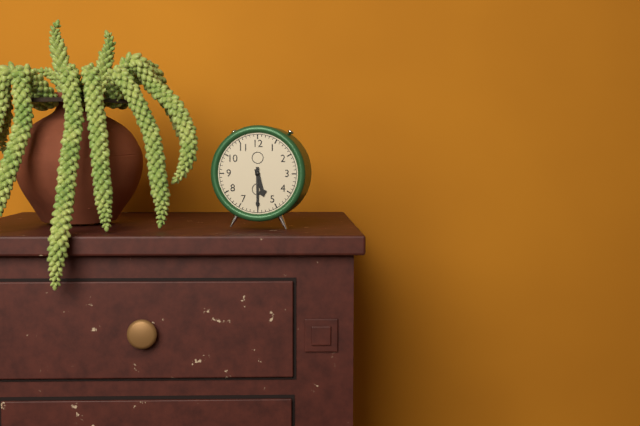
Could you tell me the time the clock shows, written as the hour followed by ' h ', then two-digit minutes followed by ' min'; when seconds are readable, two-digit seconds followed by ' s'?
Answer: 5 h 30 min
